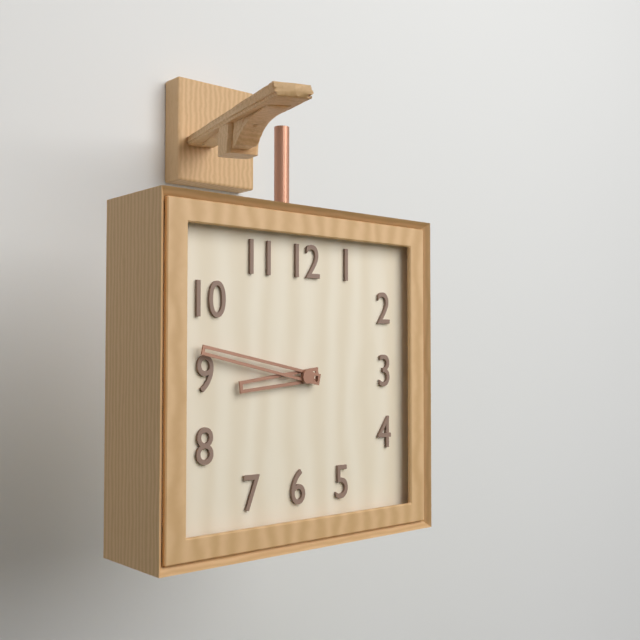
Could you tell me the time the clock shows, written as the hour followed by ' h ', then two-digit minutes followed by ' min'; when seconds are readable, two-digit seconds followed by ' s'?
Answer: 8 h 47 min
